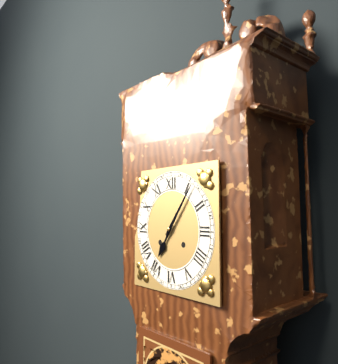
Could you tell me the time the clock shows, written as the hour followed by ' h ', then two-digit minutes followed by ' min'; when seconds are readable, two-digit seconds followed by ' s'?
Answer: 7 h 06 min
